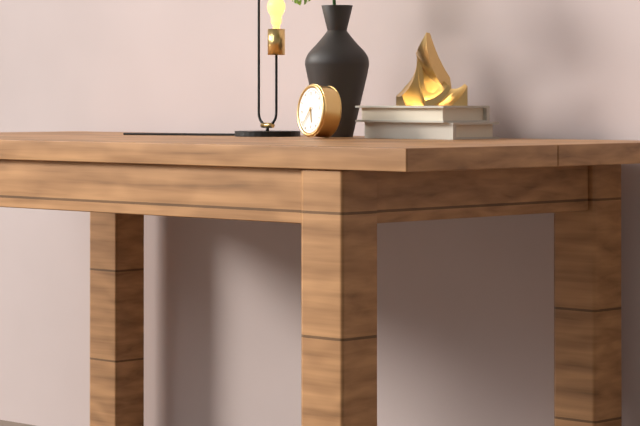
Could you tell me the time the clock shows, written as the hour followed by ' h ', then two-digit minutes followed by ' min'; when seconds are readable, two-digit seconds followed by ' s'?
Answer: 5 h 38 min
